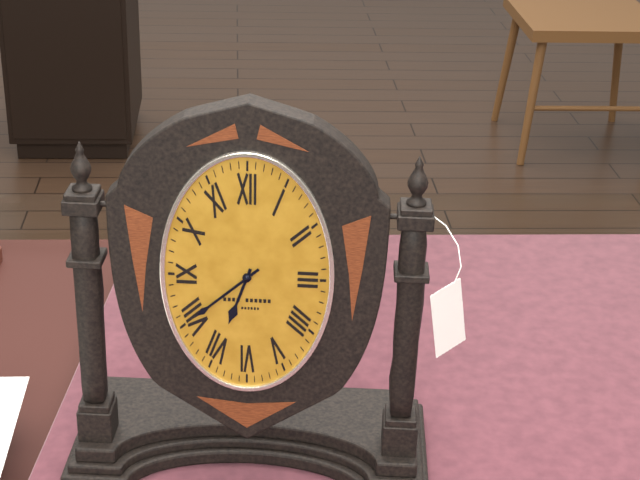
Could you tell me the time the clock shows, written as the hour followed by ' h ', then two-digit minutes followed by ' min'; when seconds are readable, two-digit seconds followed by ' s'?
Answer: 6 h 38 min
